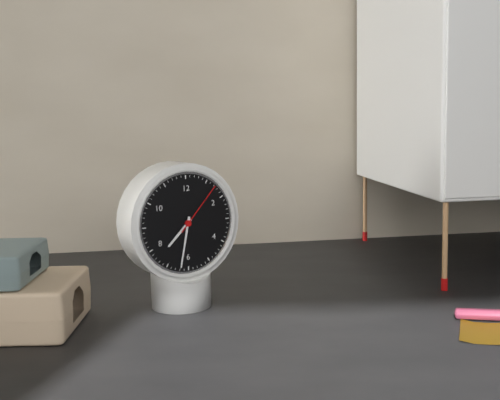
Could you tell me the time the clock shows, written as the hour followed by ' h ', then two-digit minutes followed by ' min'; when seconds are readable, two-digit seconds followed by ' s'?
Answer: 7 h 32 min 07 s
